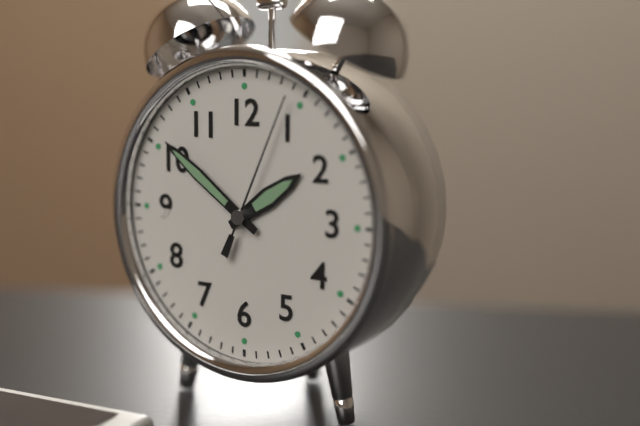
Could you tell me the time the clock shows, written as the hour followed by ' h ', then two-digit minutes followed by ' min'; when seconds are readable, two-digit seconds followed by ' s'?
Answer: 1 h 51 min 04 s
